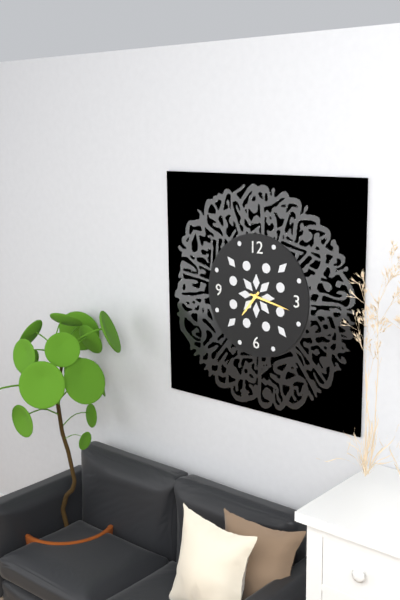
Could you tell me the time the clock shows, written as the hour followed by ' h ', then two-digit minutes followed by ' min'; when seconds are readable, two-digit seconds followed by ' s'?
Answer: 7 h 17 min
